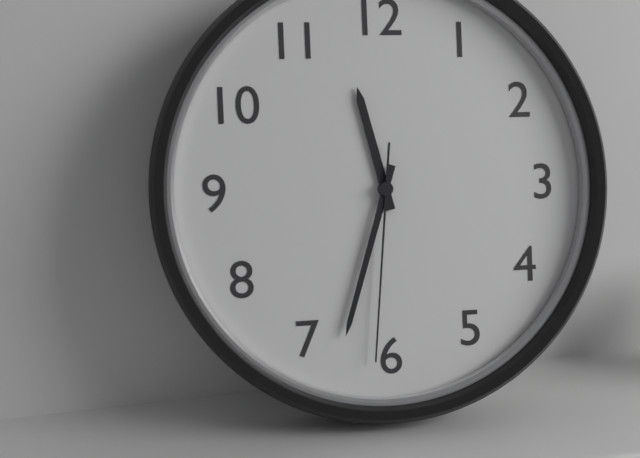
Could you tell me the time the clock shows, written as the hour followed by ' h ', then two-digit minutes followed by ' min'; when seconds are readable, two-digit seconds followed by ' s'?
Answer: 11 h 33 min 31 s
